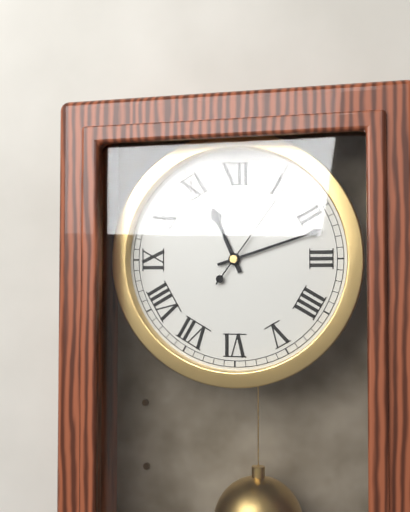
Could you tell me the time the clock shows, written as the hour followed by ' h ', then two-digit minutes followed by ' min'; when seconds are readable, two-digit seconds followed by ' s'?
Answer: 11 h 12 min 06 s
